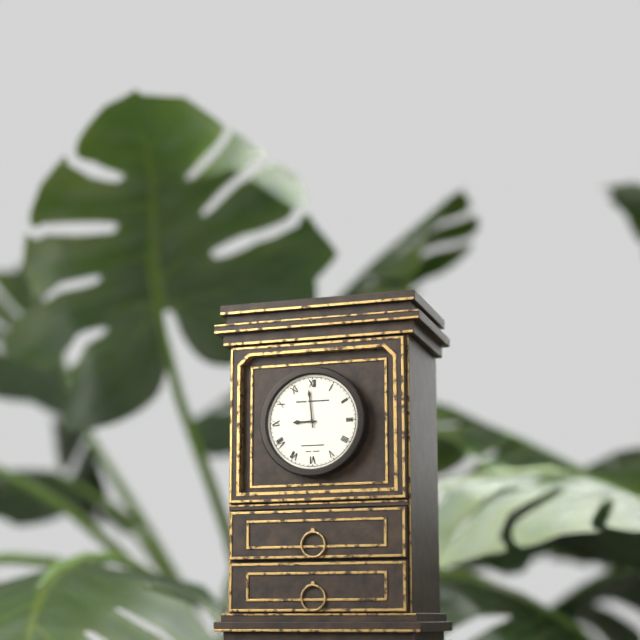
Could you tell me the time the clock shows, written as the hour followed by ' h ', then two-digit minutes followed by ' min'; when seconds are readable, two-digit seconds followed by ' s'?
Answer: 8 h 59 min
